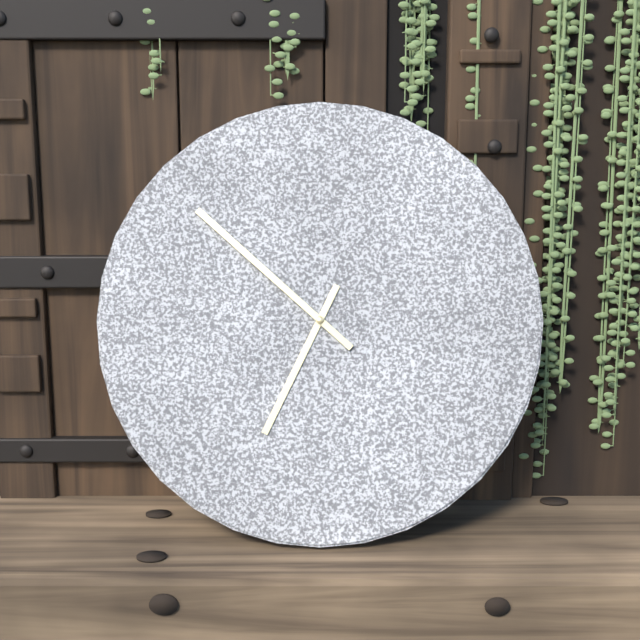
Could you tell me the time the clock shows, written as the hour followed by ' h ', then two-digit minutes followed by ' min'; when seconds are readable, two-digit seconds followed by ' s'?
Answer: 6 h 52 min
